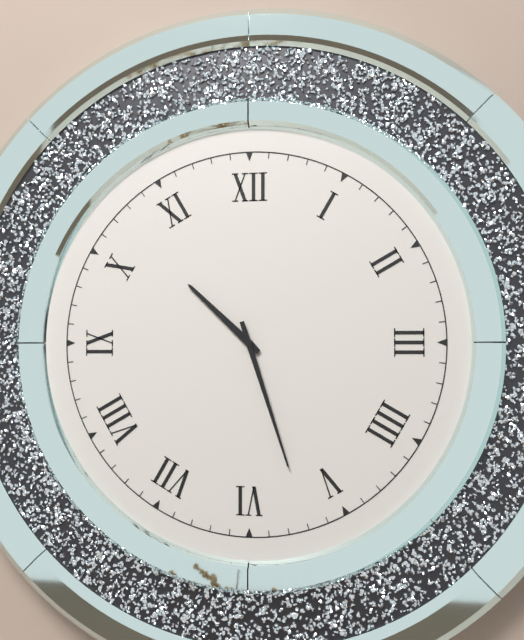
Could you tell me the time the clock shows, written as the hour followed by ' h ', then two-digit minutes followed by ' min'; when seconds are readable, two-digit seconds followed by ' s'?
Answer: 10 h 27 min
